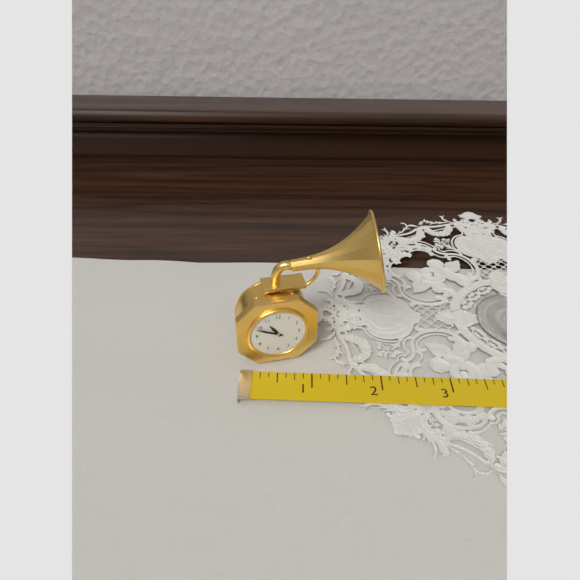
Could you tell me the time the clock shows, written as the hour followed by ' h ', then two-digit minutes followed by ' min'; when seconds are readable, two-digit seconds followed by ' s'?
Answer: 10 h 49 min
